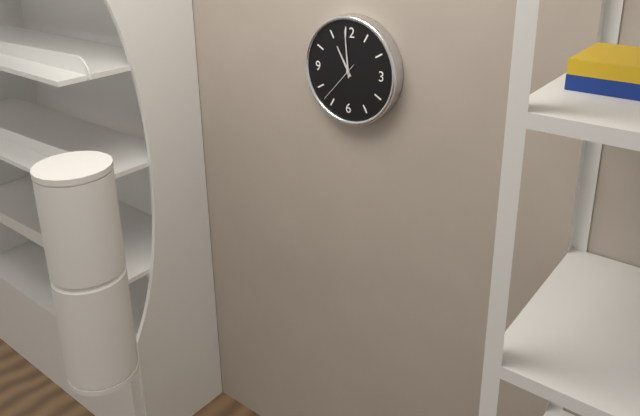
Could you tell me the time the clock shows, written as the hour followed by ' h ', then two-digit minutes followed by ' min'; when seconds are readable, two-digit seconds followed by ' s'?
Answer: 10 h 59 min
